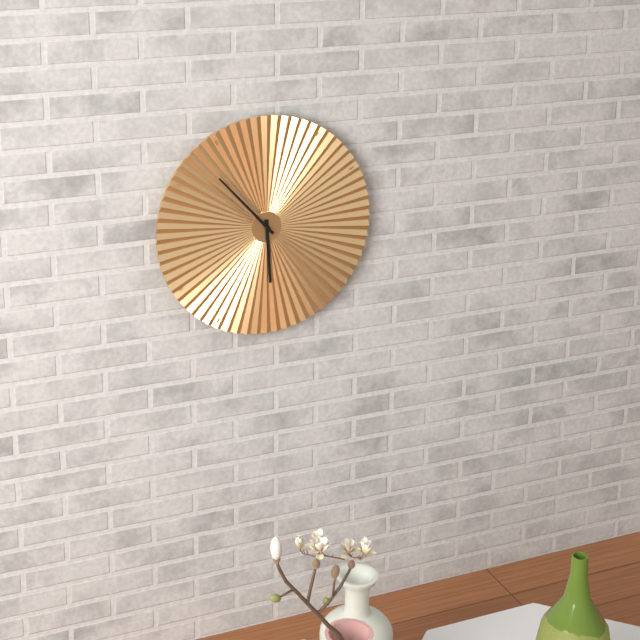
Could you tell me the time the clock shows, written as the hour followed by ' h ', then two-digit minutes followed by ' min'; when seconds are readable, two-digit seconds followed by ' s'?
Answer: 5 h 53 min
